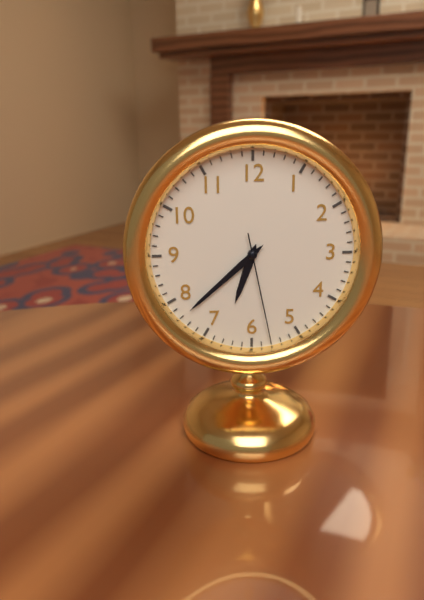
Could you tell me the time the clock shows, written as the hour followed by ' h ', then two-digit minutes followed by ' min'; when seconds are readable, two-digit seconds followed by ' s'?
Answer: 6 h 38 min 28 s
